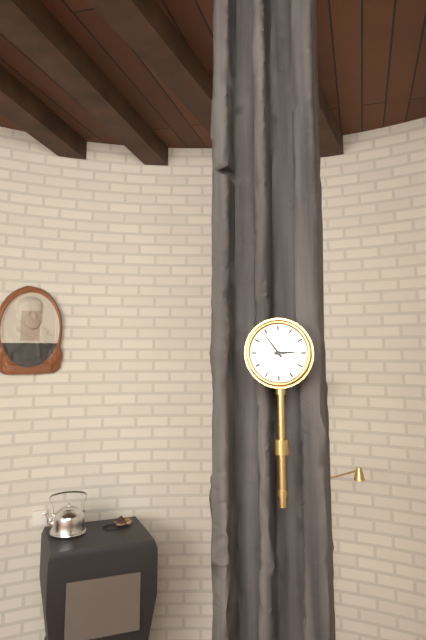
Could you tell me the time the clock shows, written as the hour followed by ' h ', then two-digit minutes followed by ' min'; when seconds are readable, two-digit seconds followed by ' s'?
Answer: 2 h 54 min
